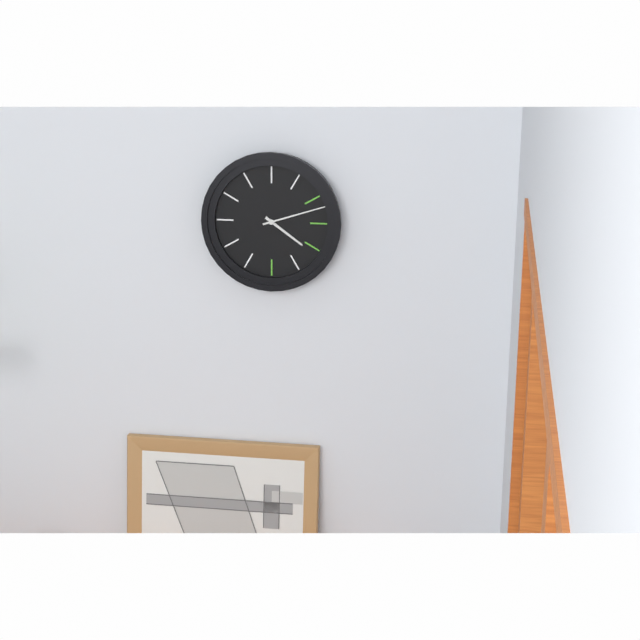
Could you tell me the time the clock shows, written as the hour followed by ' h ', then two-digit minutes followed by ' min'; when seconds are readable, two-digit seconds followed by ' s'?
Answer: 4 h 12 min
